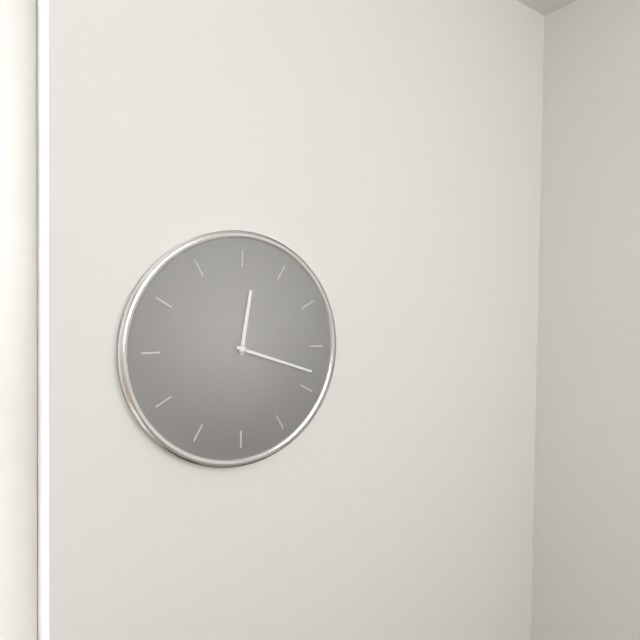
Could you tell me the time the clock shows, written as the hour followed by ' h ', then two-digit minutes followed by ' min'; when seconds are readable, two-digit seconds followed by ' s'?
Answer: 12 h 18 min
